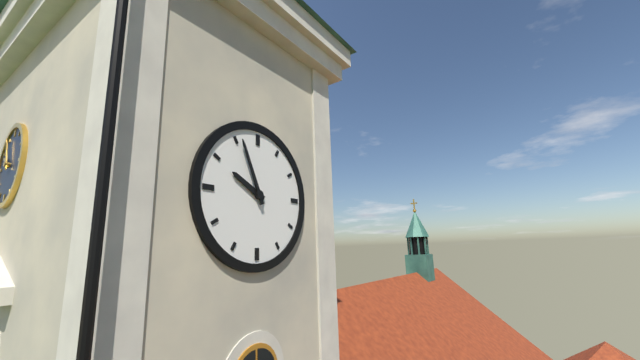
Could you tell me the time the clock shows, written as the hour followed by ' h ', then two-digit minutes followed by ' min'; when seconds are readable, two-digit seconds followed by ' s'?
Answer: 9 h 56 min
